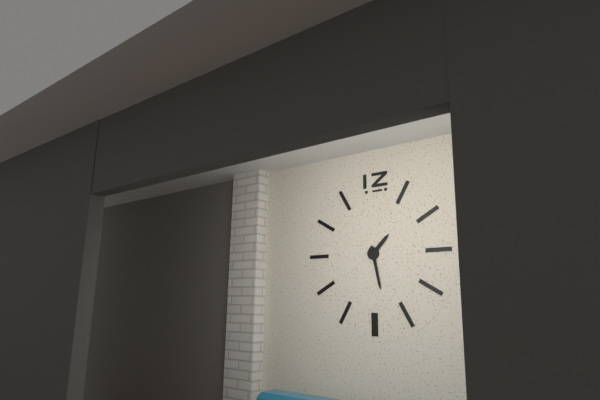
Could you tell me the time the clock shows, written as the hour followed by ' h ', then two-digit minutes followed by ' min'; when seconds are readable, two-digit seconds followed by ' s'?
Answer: 1 h 28 min
